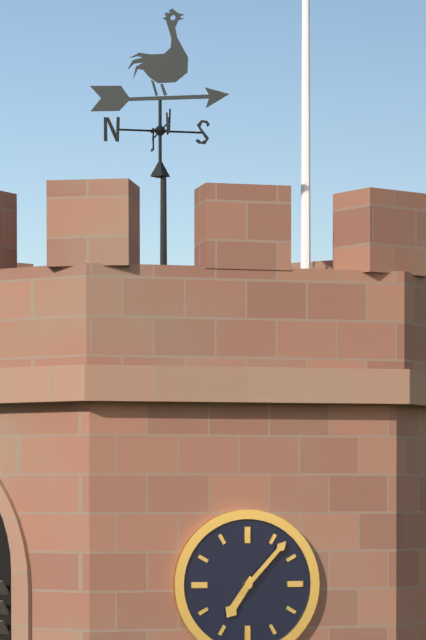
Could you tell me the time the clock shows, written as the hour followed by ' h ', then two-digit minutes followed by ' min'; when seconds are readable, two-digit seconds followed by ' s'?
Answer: 7 h 07 min
